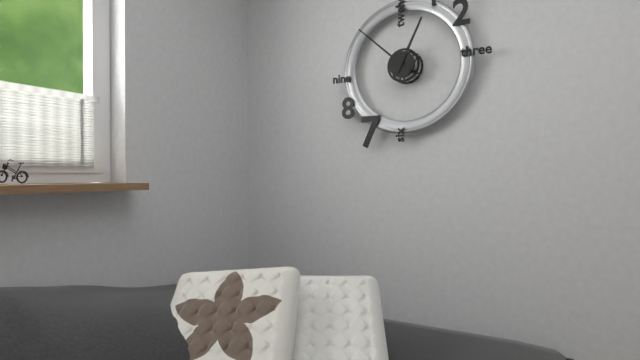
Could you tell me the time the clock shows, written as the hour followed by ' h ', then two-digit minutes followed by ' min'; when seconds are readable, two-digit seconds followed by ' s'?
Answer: 12 h 52 min
